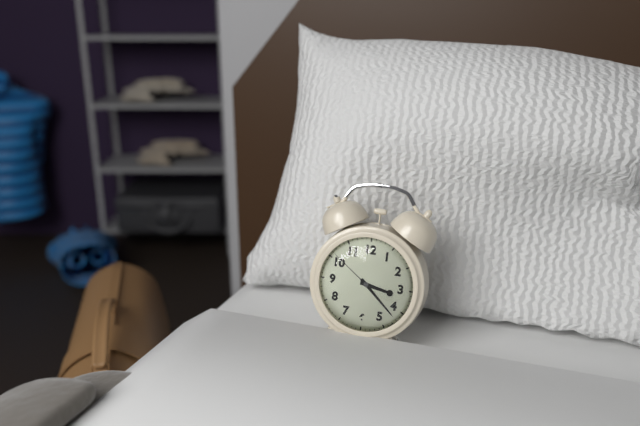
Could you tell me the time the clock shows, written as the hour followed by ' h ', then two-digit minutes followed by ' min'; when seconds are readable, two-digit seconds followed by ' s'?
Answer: 3 h 22 min 51 s
